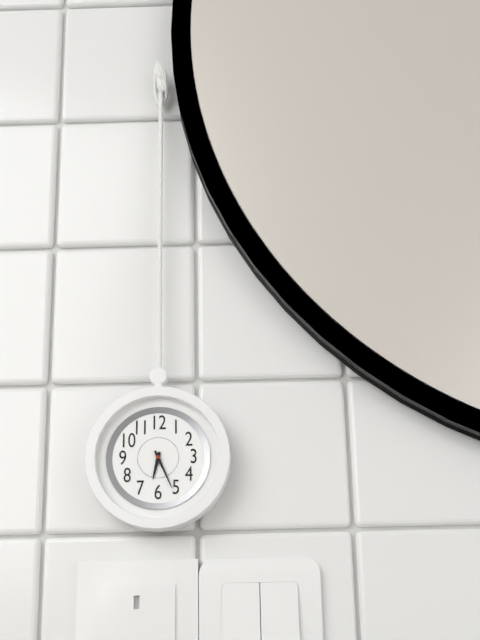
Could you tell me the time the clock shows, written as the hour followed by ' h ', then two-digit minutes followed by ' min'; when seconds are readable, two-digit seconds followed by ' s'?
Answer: 6 h 26 min
